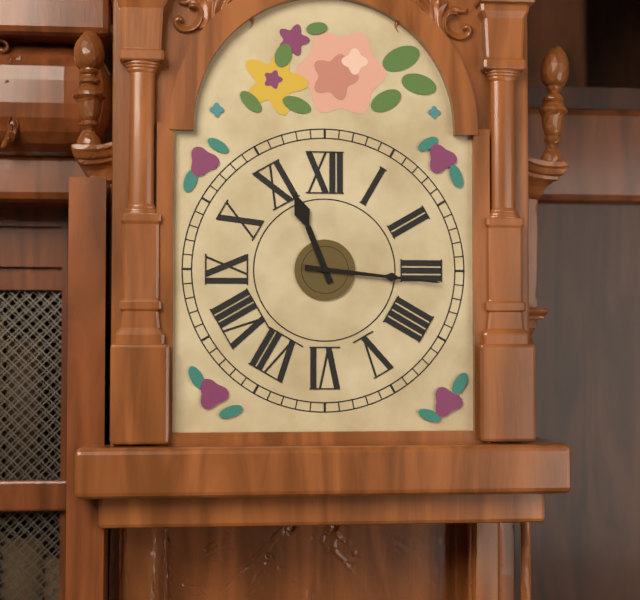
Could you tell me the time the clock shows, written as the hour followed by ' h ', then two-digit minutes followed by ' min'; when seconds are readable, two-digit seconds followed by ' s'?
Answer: 11 h 16 min
